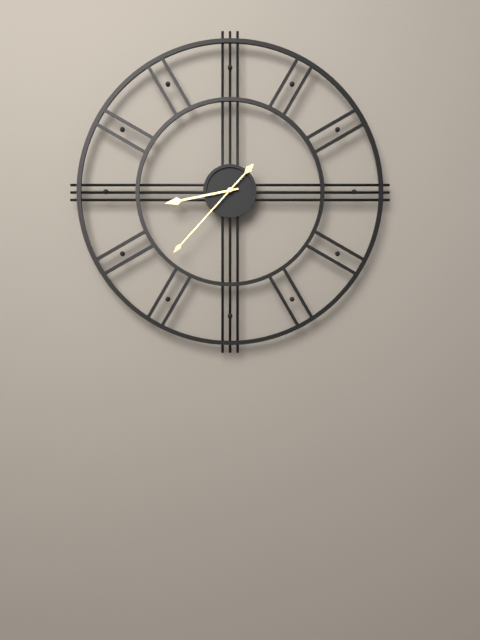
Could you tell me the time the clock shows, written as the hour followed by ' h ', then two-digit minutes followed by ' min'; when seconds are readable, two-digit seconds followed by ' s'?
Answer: 8 h 37 min
